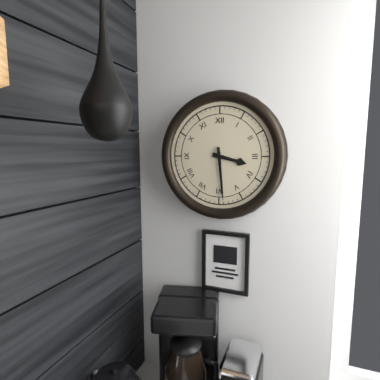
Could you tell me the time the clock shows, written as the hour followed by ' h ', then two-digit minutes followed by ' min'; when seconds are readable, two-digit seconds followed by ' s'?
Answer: 3 h 29 min
